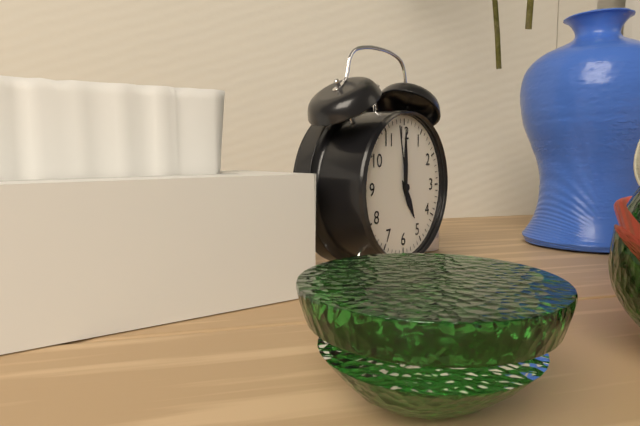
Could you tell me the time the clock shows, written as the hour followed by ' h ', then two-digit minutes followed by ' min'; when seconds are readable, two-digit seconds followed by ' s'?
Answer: 5 h 00 min 58 s
